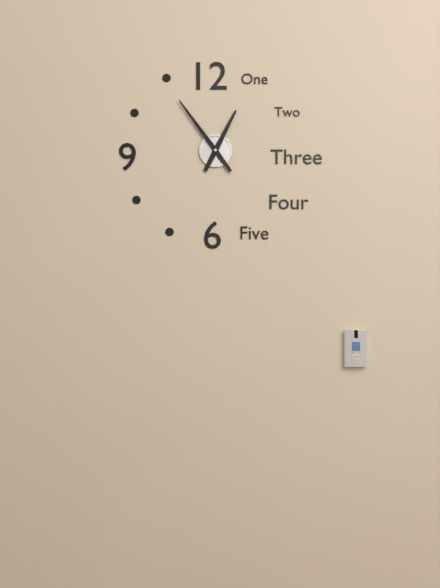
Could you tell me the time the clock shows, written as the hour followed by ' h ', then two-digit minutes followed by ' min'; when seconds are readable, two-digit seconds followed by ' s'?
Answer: 12 h 54 min
